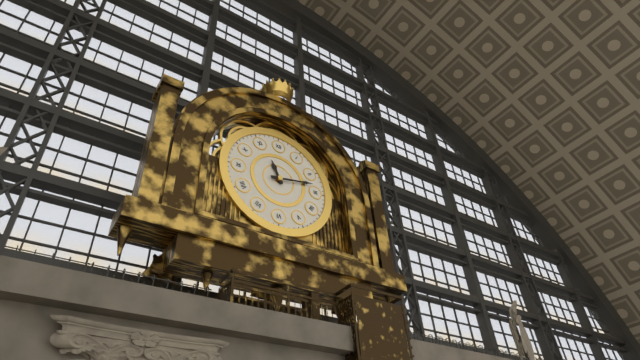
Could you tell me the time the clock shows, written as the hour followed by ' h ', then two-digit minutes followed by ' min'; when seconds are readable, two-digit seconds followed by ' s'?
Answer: 11 h 13 min
